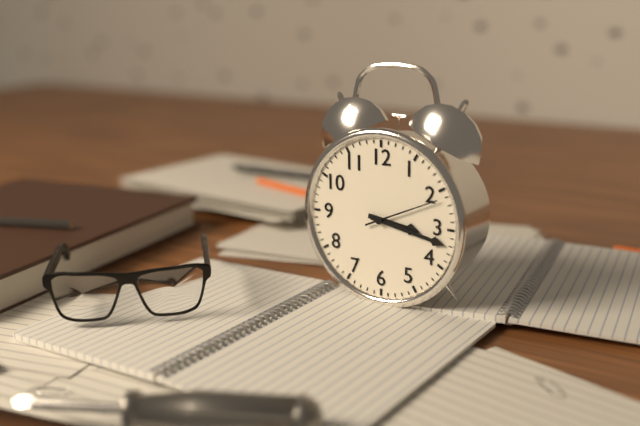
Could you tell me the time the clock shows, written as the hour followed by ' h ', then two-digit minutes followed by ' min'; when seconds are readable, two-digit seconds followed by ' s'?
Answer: 3 h 17 min 11 s
